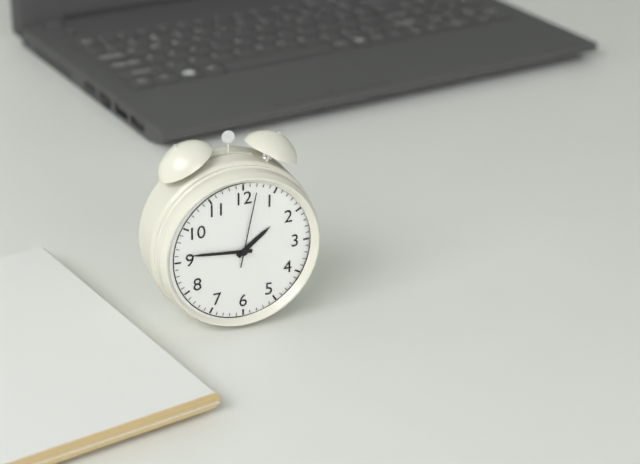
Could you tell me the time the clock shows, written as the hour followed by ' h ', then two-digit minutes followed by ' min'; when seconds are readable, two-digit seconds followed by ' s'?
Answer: 1 h 46 min 02 s
